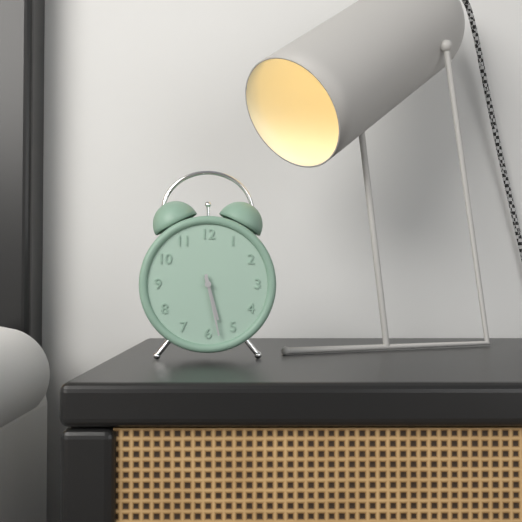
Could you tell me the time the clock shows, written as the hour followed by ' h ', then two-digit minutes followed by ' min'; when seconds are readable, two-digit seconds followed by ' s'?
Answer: 5 h 28 min
